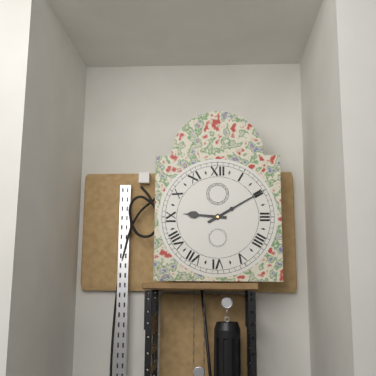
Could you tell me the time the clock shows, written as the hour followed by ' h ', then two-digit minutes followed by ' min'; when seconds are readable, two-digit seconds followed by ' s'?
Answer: 9 h 10 min
